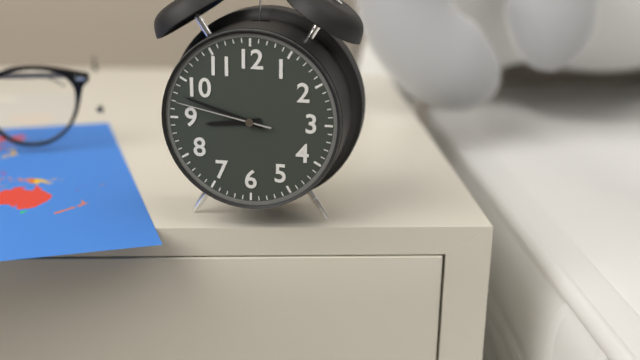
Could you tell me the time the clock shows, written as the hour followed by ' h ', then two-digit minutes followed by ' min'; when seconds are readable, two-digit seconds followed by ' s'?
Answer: 8 h 48 min 47 s
